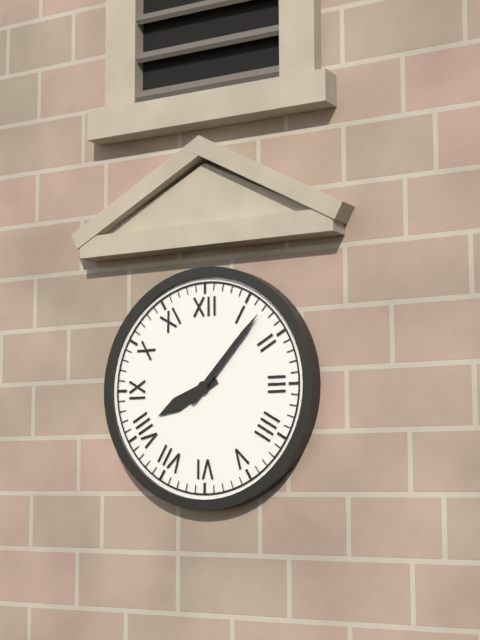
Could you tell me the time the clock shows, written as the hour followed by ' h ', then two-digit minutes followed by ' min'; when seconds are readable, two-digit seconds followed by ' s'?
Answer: 8 h 07 min
